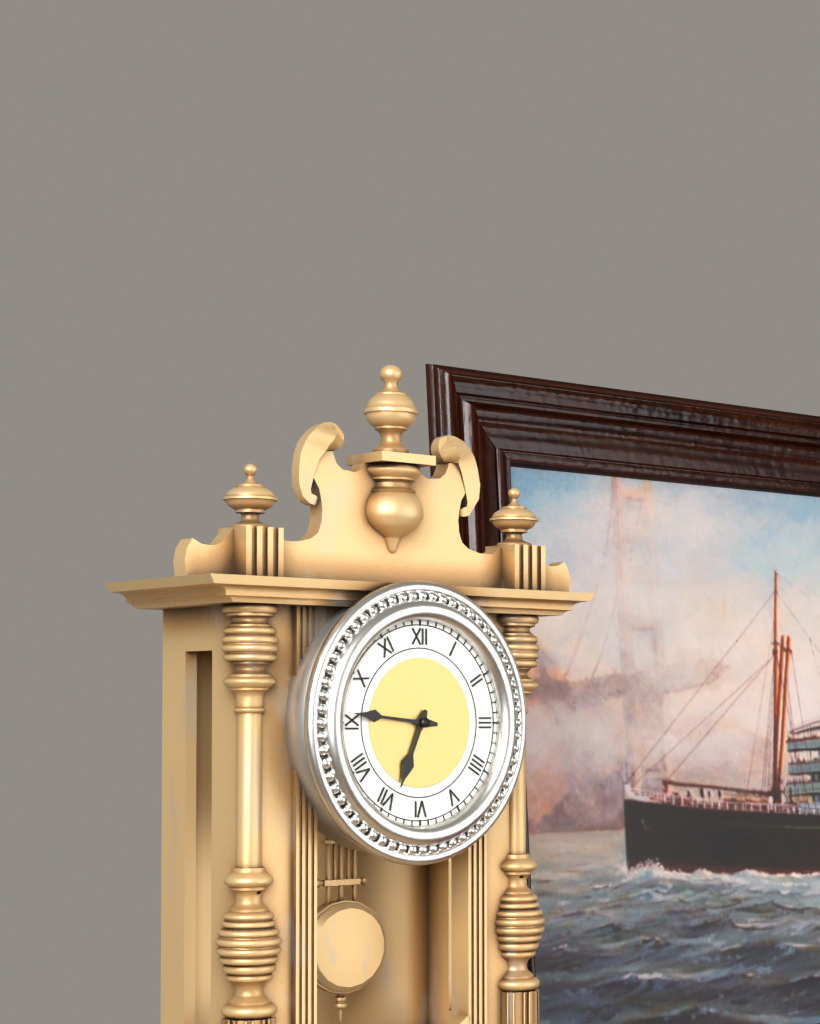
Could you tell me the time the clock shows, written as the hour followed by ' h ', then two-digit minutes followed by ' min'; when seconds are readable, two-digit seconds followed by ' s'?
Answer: 6 h 46 min
